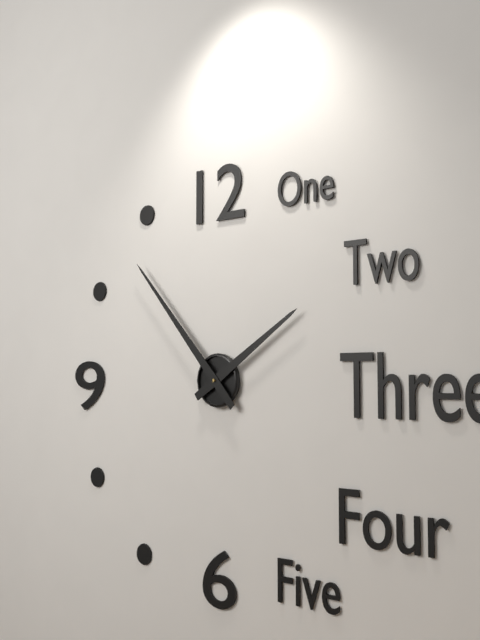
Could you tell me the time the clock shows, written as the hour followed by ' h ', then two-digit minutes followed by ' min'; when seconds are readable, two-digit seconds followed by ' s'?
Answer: 1 h 53 min
